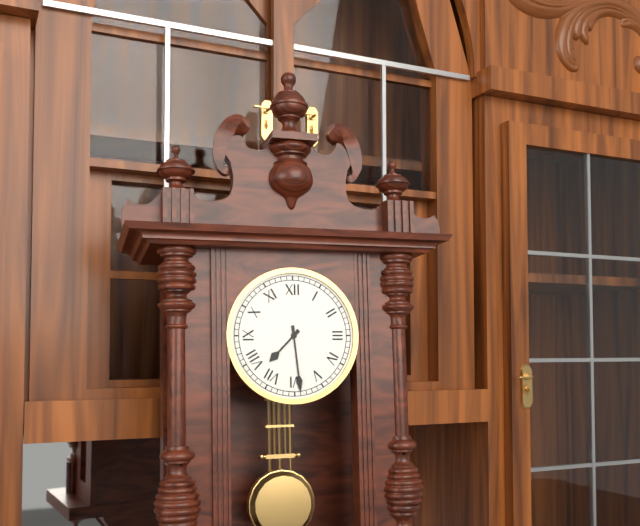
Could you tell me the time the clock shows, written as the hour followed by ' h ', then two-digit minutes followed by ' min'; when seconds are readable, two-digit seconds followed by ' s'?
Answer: 7 h 29 min
